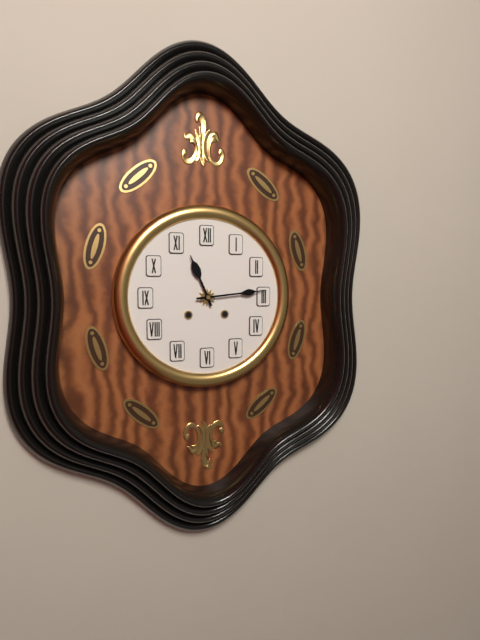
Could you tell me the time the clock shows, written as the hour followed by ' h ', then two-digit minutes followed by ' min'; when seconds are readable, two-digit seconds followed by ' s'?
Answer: 11 h 14 min
